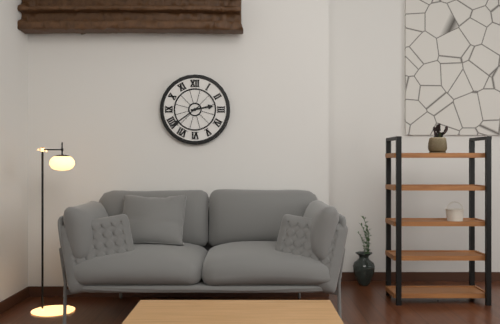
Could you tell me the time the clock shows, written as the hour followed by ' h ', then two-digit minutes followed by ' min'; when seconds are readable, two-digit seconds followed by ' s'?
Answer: 2 h 39 min
